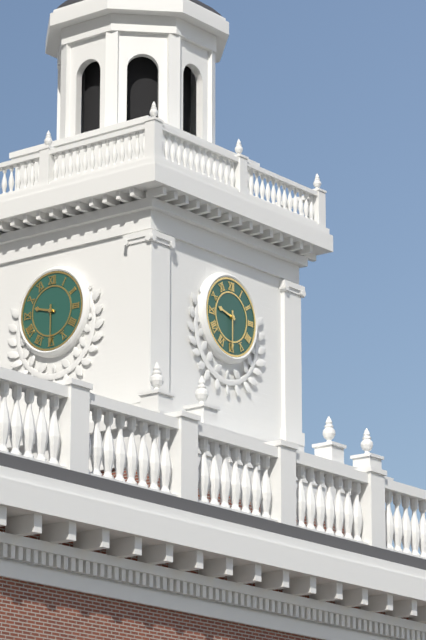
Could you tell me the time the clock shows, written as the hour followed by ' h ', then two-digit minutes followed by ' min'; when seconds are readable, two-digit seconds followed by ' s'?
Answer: 9 h 30 min
